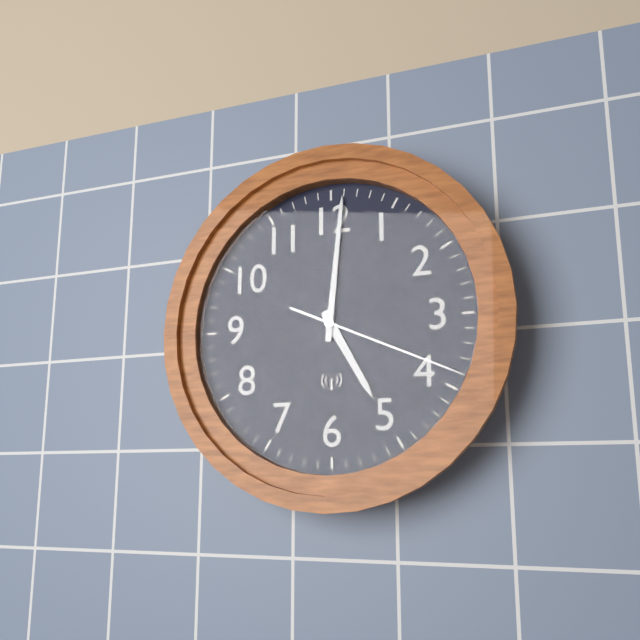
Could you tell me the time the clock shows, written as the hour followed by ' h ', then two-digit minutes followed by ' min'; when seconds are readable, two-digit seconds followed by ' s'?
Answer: 5 h 01 min 19 s
